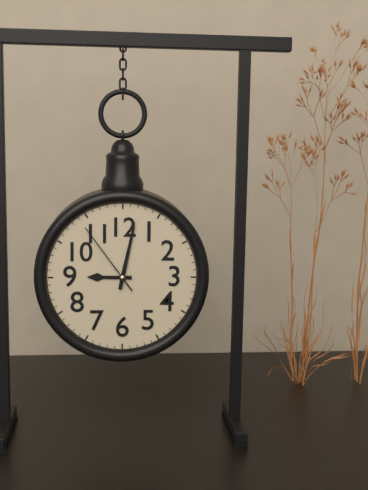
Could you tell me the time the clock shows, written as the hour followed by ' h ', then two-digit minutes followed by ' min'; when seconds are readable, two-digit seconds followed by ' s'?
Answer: 9 h 02 min 54 s
